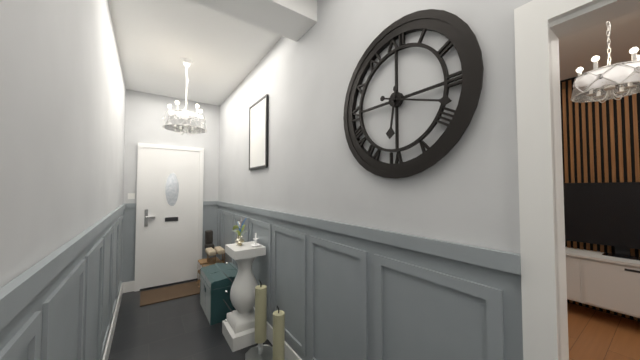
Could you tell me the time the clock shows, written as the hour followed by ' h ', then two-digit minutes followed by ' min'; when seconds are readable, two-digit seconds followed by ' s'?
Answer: 6 h 18 min
